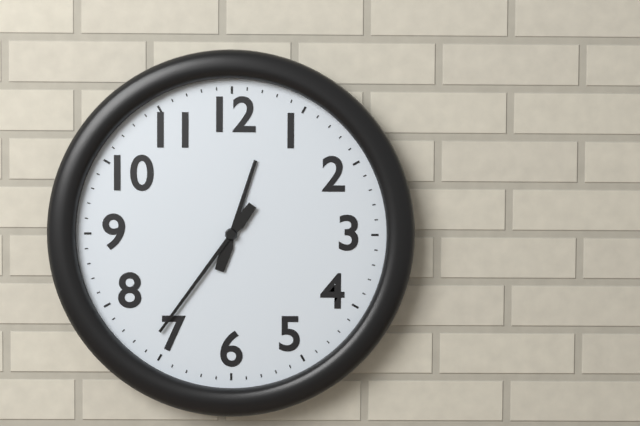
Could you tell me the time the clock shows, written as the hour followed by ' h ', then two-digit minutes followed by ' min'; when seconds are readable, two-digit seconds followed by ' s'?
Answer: 12 h 36 min
